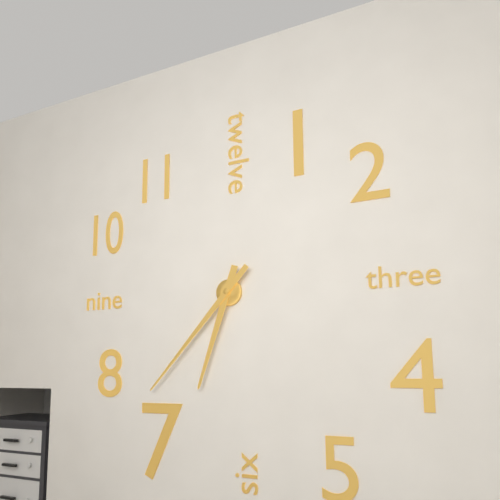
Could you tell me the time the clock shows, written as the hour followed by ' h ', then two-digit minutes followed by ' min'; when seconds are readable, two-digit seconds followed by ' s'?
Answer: 6 h 37 min
